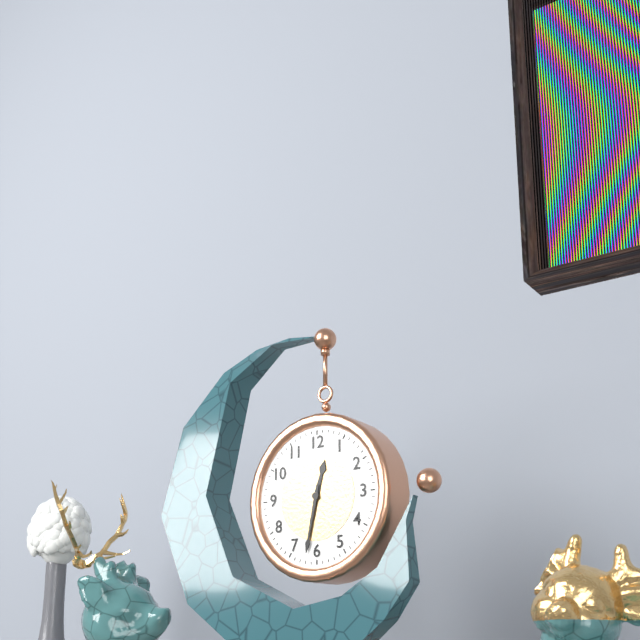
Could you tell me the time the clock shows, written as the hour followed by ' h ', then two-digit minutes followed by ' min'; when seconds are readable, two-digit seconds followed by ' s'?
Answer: 12 h 32 min
